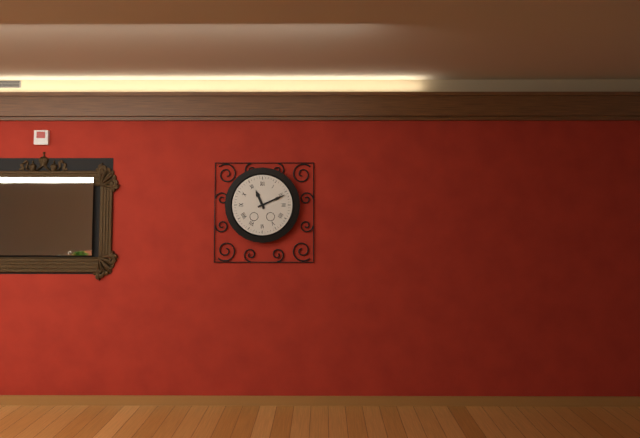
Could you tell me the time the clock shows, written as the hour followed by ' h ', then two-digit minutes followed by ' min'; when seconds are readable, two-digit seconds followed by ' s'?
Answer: 11 h 11 min
